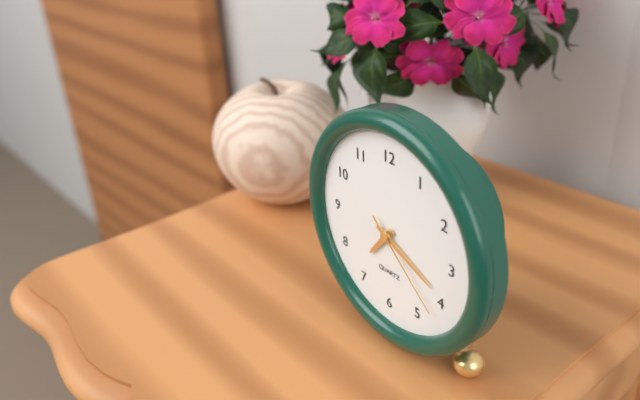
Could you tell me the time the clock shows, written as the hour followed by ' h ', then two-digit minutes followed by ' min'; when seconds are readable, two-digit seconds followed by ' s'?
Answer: 7 h 19 min 22 s
